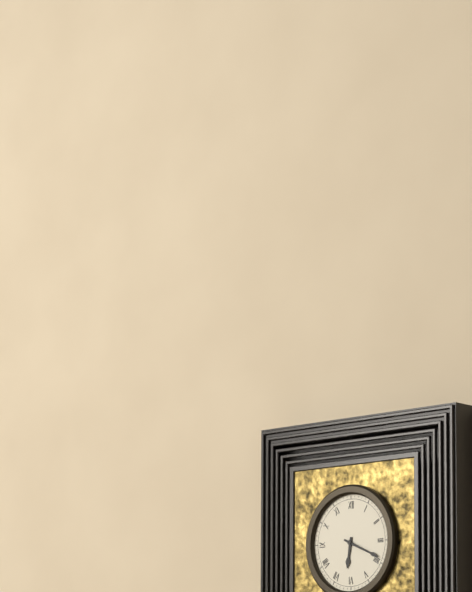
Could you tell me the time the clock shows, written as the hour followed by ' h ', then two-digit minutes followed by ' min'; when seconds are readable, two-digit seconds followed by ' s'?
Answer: 6 h 19 min
